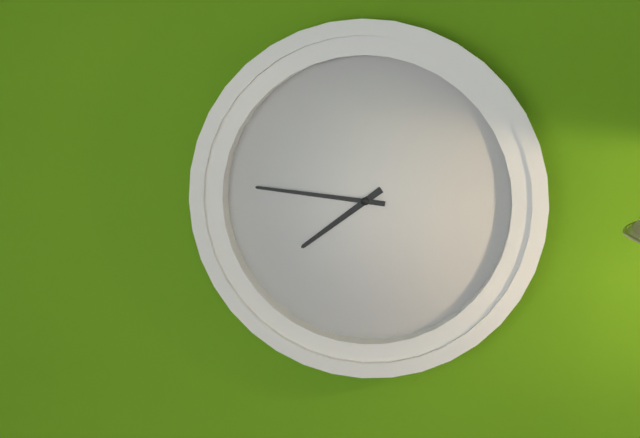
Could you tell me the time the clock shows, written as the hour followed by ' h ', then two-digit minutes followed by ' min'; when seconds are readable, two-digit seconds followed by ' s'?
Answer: 7 h 46 min
